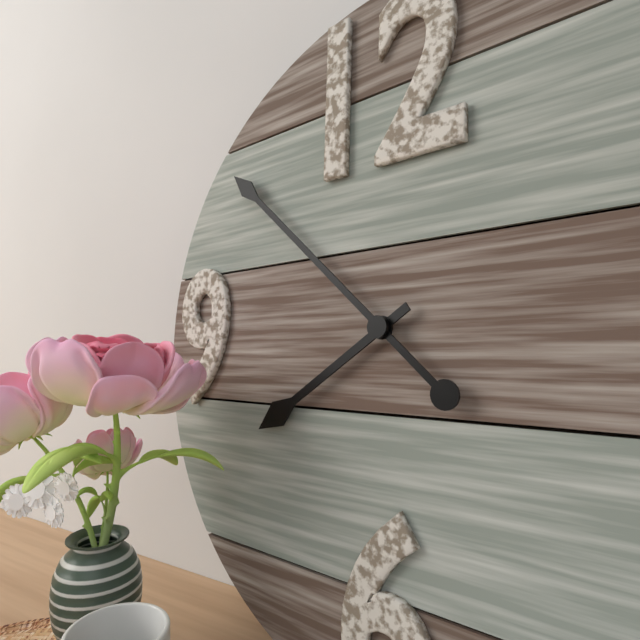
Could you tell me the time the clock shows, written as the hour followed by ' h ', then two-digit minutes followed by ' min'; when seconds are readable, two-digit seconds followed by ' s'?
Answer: 7 h 52 min
